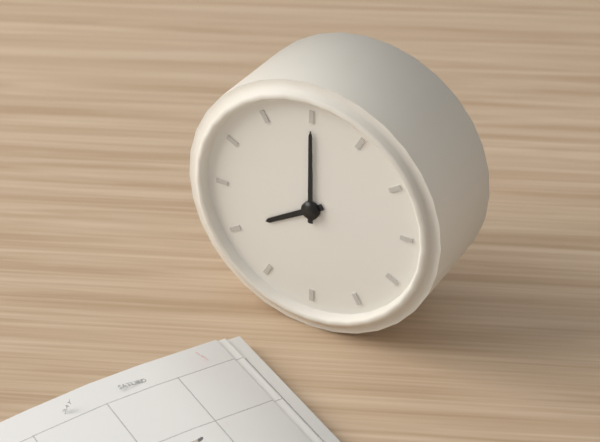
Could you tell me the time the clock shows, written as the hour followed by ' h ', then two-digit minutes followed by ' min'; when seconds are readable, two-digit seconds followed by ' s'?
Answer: 8 h 00 min
